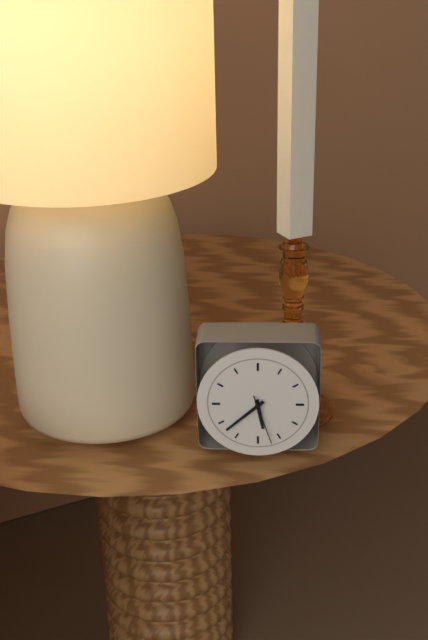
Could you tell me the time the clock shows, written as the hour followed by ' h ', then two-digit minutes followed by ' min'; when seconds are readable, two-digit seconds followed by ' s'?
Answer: 5 h 38 min 27 s
